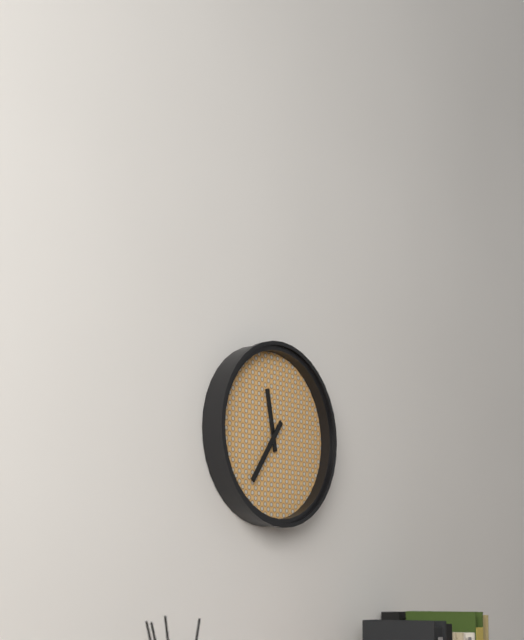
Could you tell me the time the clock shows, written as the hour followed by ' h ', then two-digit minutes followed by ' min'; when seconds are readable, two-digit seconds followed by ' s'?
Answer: 11 h 36 min
